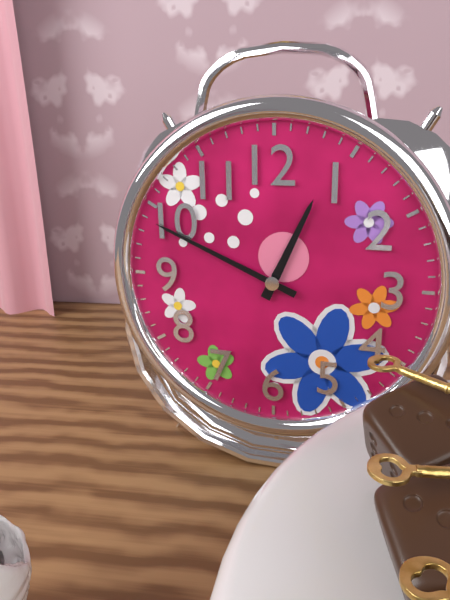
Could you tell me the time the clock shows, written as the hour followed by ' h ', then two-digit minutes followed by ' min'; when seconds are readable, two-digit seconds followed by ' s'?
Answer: 12 h 49 min
